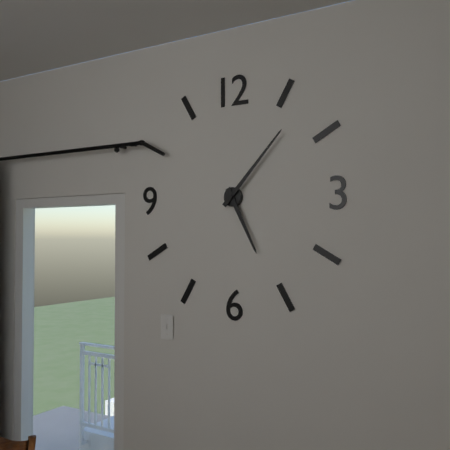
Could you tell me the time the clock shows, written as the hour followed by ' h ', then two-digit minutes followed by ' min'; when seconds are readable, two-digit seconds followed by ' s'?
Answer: 5 h 07 min
